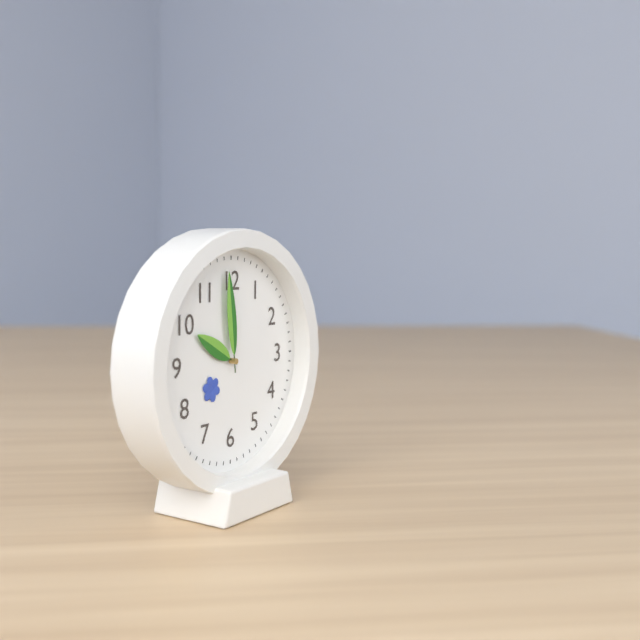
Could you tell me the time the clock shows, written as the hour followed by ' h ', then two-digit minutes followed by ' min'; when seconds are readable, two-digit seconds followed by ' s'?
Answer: 9 h 59 min
